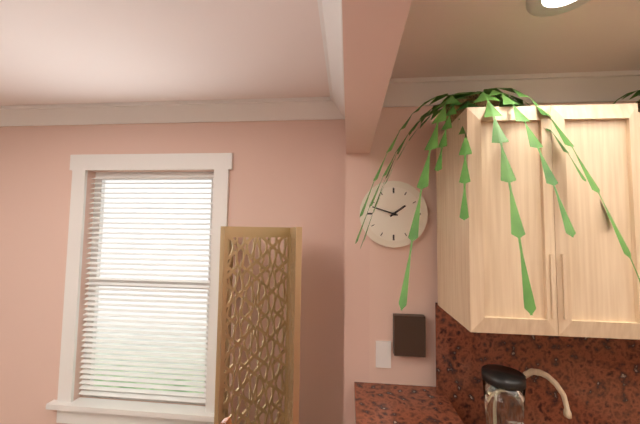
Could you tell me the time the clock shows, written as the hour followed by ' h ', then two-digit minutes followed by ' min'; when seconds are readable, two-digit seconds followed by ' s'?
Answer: 1 h 48 min
